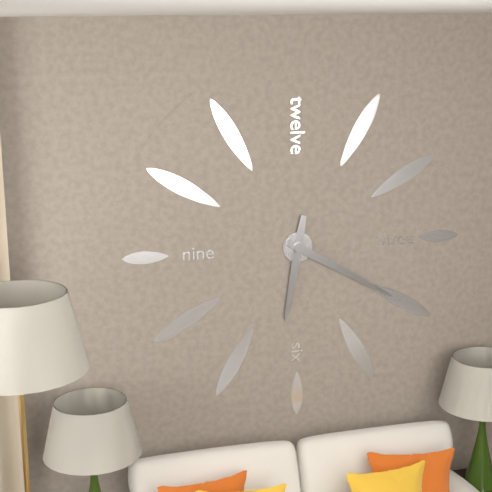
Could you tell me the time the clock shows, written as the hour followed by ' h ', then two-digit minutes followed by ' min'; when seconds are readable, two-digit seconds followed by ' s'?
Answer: 6 h 20 min
